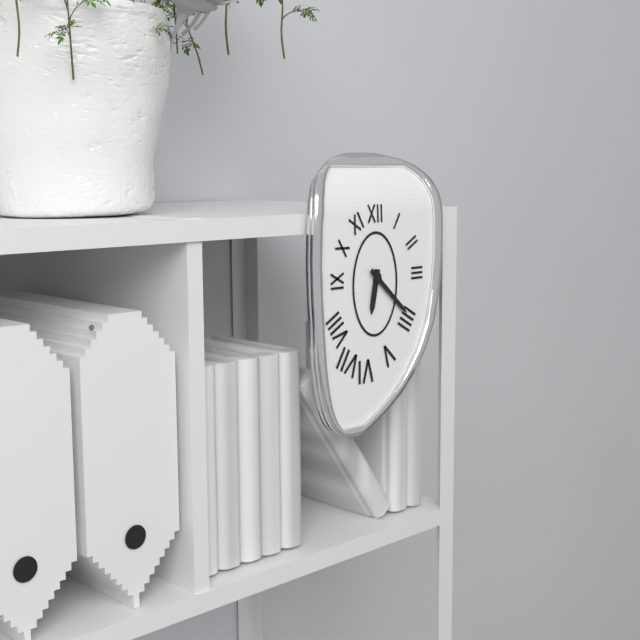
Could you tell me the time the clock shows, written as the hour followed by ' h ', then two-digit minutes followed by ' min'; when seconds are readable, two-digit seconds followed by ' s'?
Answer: 6 h 22 min
